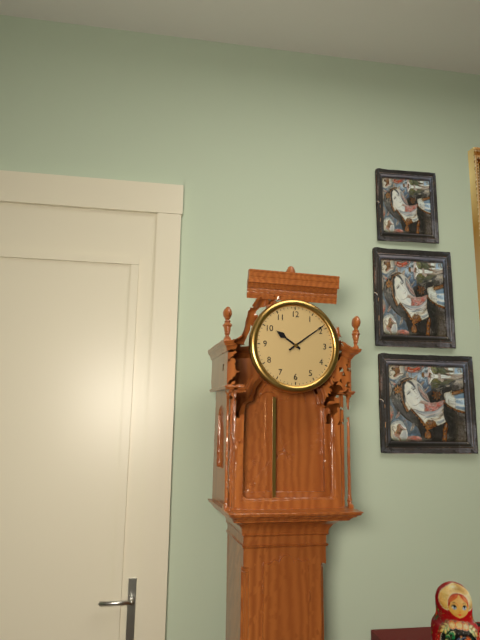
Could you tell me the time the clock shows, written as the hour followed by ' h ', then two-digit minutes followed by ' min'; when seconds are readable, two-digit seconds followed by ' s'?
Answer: 10 h 09 min
